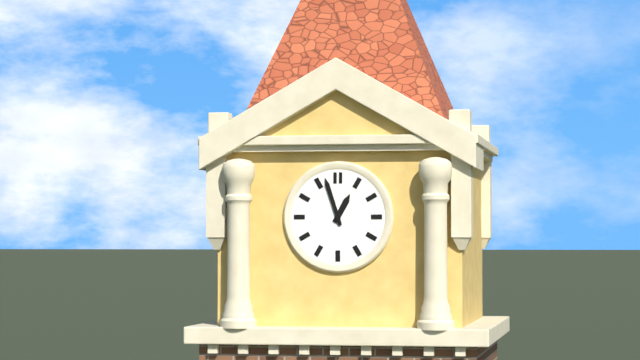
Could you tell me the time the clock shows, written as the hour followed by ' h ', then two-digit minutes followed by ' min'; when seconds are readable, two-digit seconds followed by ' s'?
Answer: 12 h 57 min
